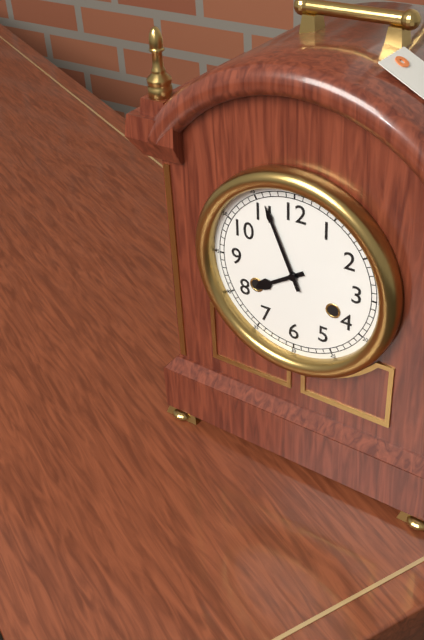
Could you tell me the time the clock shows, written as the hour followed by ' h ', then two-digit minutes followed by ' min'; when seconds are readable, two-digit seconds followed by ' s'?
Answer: 7 h 56 min
